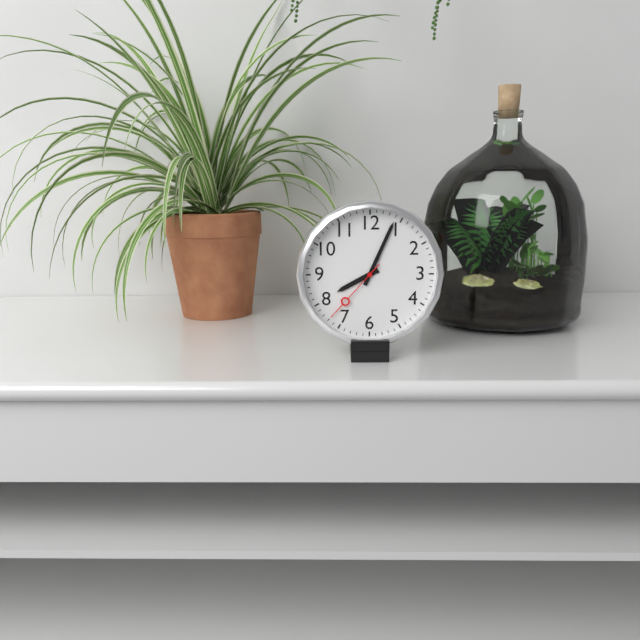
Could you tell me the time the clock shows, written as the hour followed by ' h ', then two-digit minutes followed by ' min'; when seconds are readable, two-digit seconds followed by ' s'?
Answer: 8 h 04 min 37 s
